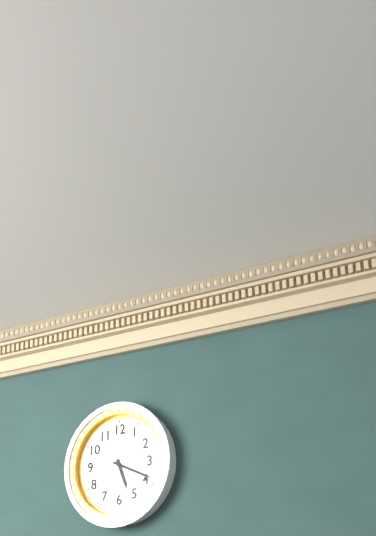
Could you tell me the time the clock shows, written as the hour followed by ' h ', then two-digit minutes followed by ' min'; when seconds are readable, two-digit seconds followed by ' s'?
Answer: 5 h 19 min
